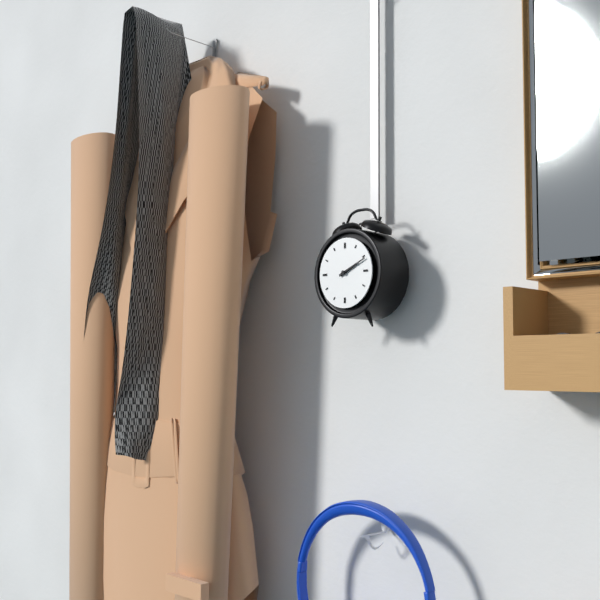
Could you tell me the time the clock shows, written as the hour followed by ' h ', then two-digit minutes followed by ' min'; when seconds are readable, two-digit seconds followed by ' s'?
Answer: 2 h 11 min
